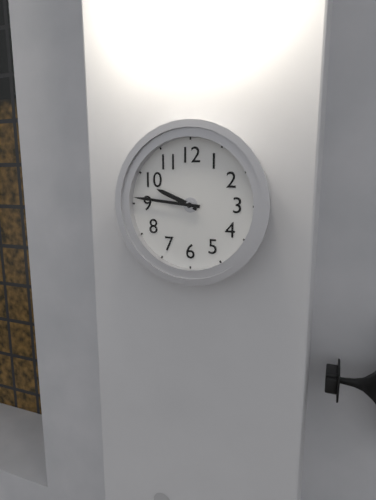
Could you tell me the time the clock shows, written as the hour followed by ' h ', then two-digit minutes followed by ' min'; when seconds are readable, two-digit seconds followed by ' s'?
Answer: 9 h 46 min
